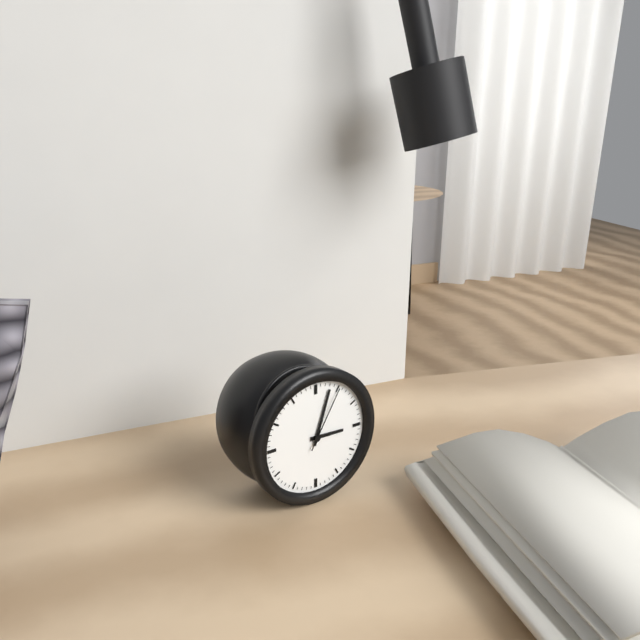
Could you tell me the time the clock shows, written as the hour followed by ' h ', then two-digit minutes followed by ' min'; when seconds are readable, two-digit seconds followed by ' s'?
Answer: 3 h 03 min 05 s
